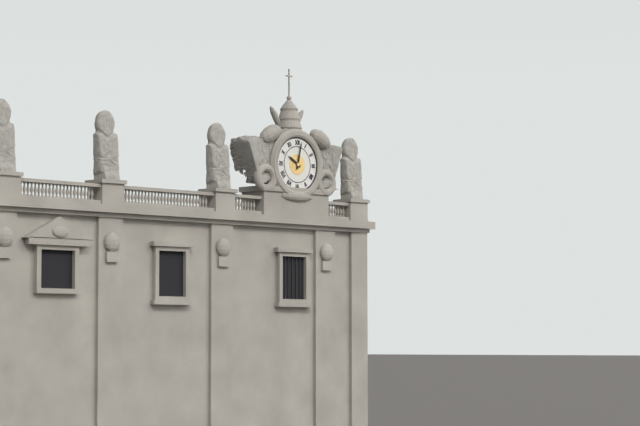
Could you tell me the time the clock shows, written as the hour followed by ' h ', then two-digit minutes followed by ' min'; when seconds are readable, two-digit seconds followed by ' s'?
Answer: 10 h 02 min
